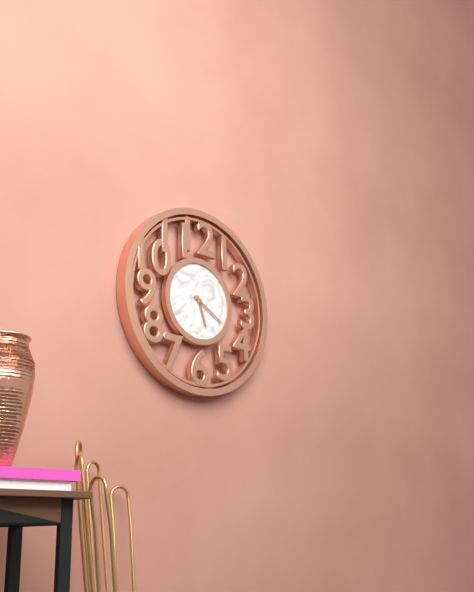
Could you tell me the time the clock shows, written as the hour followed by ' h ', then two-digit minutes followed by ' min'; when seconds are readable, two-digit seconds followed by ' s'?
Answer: 5 h 20 min
